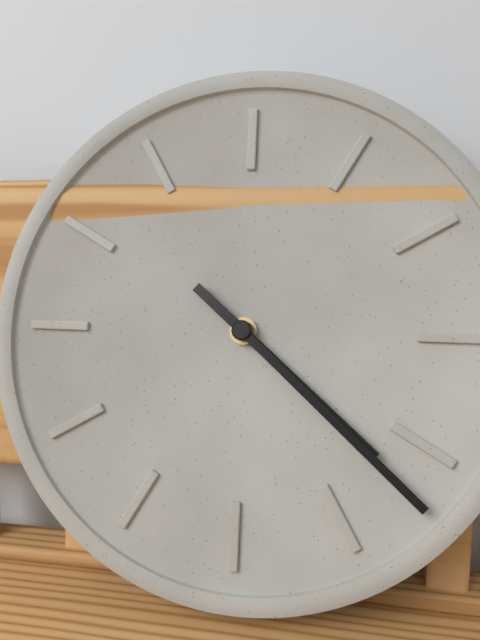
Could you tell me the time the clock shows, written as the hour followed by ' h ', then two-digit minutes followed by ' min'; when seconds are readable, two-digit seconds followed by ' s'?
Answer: 4 h 22 min
